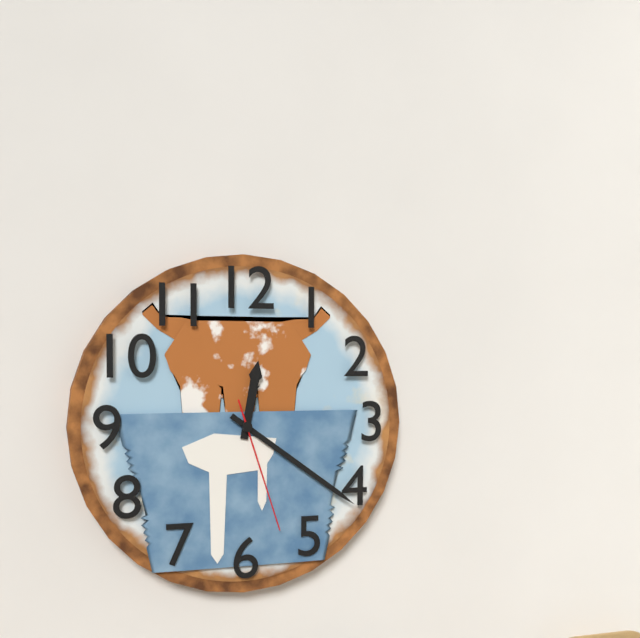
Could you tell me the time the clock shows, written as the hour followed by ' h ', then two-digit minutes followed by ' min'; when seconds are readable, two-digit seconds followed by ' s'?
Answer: 12 h 21 min 27 s
